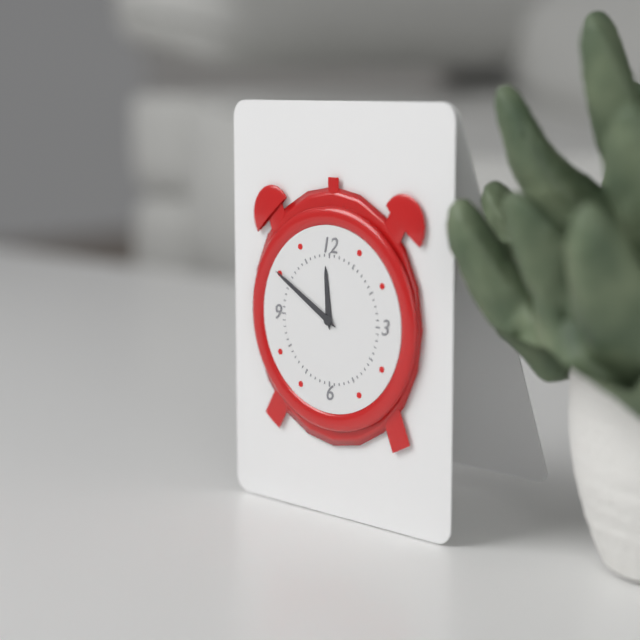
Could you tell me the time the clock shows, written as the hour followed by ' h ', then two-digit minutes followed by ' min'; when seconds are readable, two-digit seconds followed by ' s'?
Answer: 11 h 50 min
